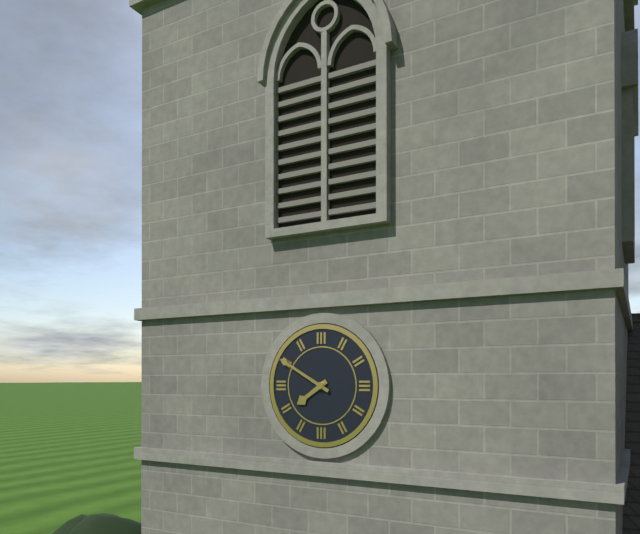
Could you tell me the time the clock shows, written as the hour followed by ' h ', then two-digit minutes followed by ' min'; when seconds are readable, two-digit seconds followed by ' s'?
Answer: 7 h 50 min
